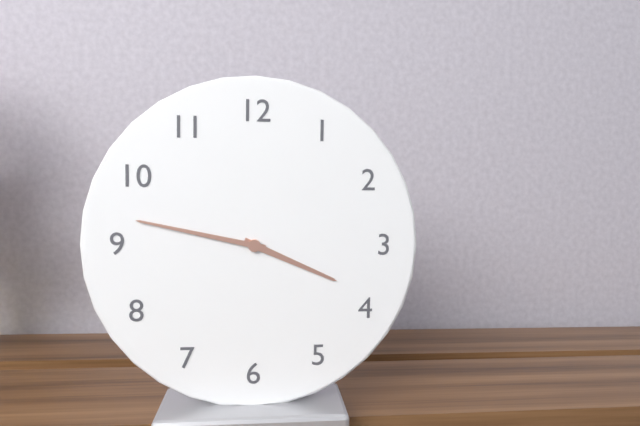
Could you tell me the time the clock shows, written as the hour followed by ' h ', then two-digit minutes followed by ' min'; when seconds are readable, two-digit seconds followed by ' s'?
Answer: 3 h 47 min
